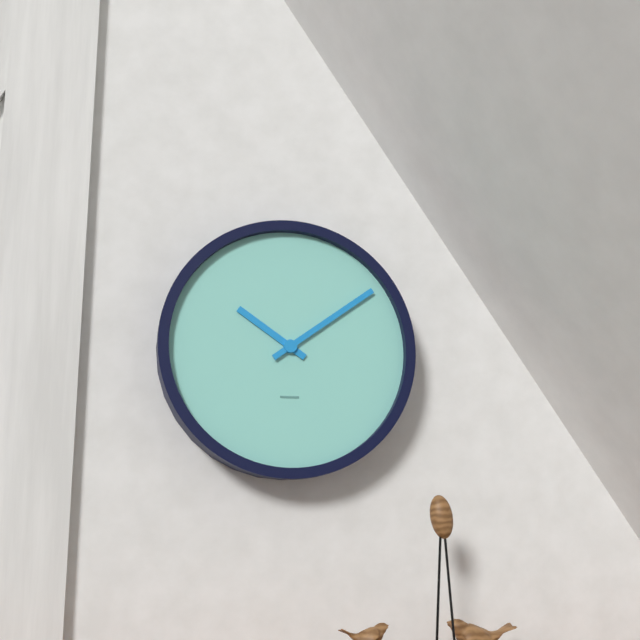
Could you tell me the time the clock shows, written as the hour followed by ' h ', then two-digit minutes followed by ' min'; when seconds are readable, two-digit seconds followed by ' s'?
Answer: 10 h 09 min
